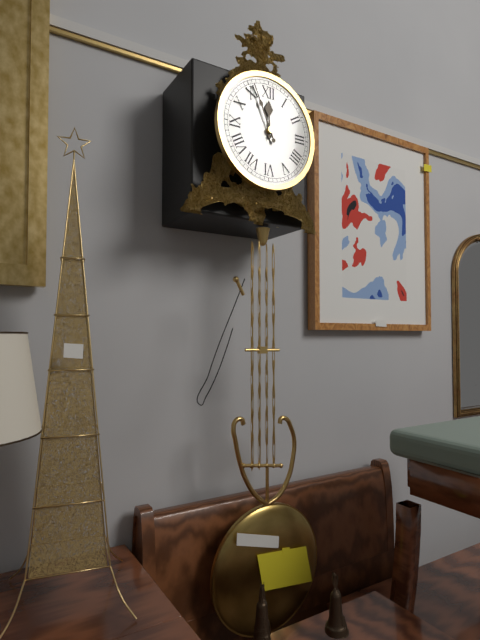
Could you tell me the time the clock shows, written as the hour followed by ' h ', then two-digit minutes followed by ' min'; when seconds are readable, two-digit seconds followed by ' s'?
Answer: 11 h 56 min
